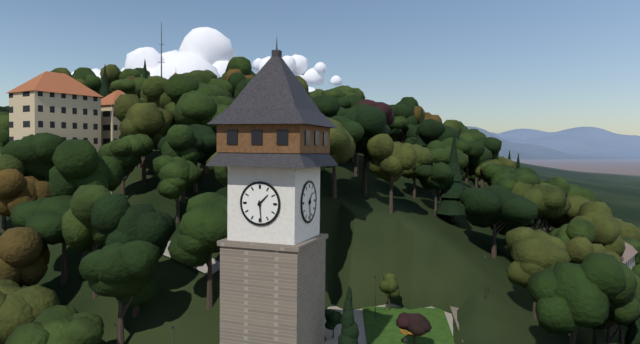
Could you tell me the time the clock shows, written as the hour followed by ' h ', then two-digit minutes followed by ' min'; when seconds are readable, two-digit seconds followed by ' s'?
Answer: 1 h 29 min
